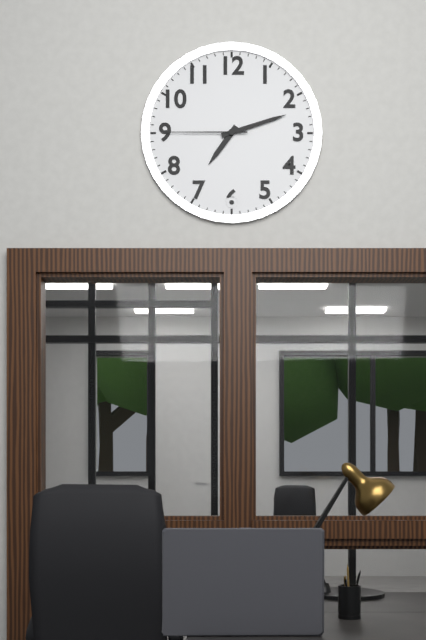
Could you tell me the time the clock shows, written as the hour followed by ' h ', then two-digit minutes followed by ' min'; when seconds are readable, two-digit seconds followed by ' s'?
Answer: 7 h 12 min 45 s
